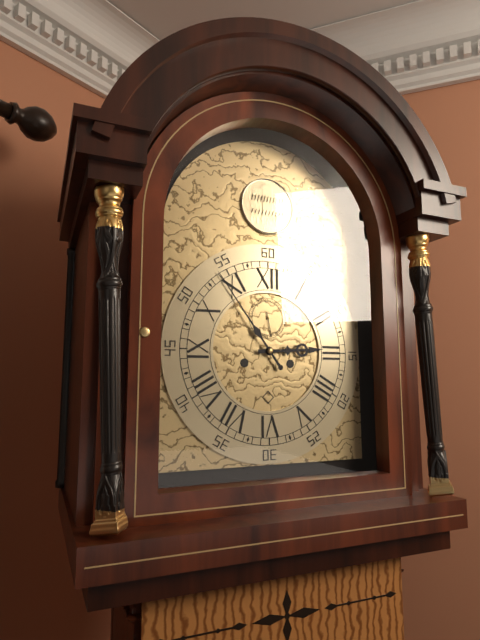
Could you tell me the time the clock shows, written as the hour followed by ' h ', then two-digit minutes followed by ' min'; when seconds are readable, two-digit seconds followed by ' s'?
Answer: 2 h 54 min
